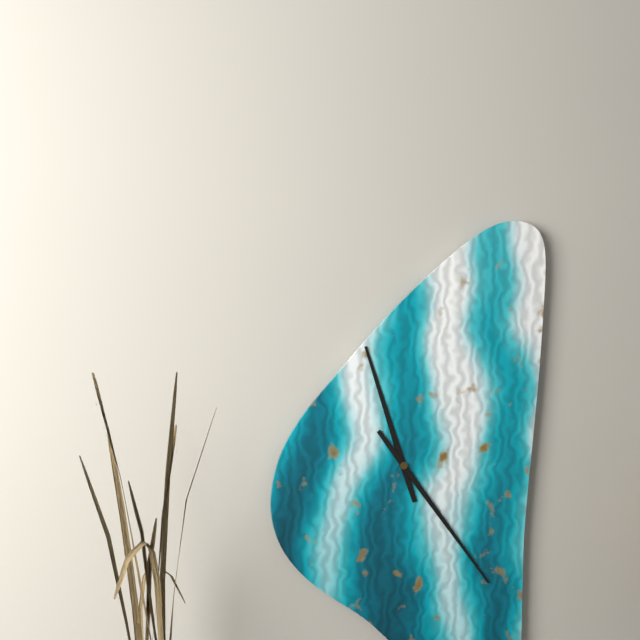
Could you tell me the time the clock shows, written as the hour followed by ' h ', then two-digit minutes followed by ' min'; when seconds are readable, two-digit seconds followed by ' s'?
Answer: 11 h 24 min
